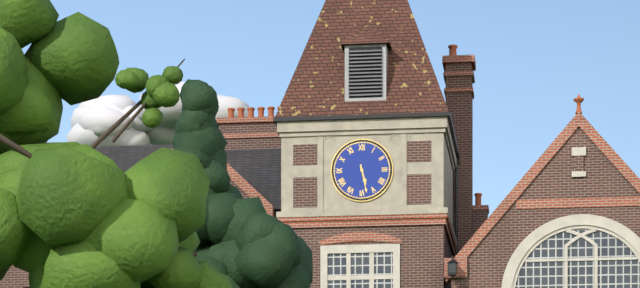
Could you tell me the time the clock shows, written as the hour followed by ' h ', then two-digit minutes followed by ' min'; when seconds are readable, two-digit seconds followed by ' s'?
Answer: 5 h 28 min
